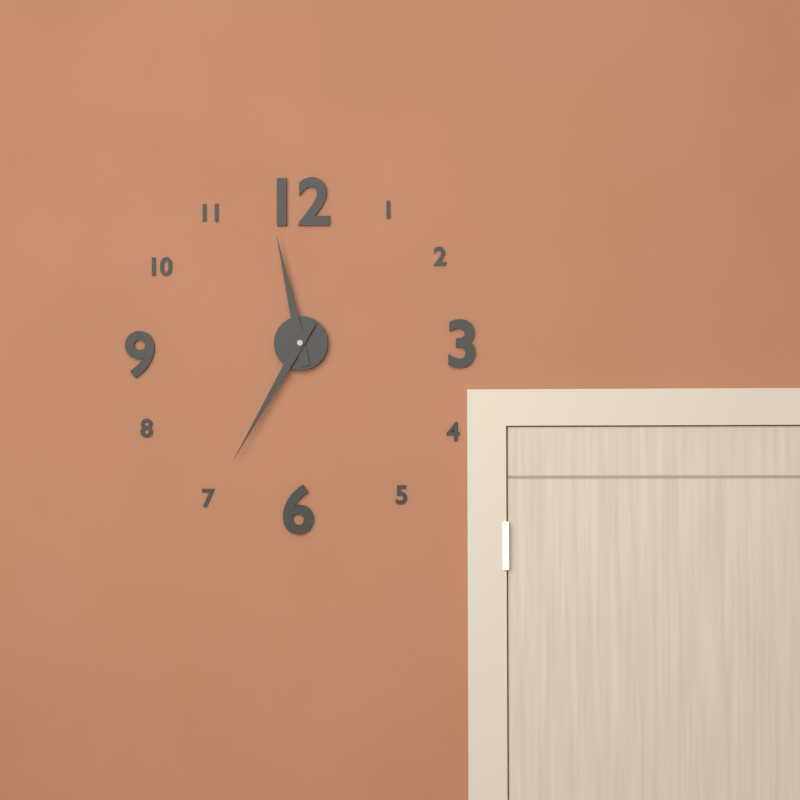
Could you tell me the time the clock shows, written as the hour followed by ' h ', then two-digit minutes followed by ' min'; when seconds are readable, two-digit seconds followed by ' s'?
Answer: 11 h 35 min
